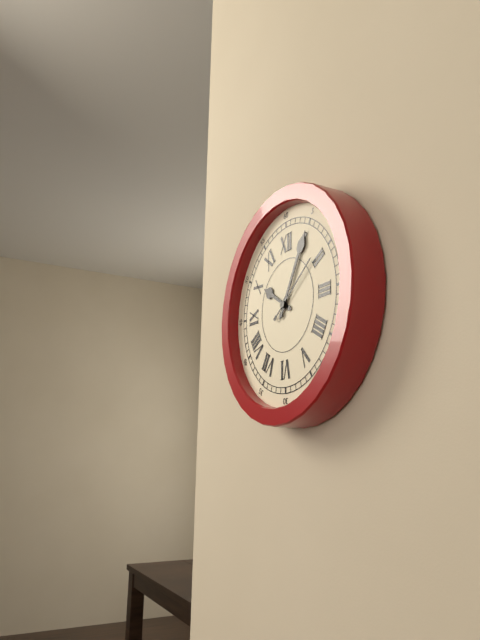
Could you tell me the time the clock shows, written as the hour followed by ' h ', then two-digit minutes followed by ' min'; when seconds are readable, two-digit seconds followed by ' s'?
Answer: 10 h 05 min 09 s
